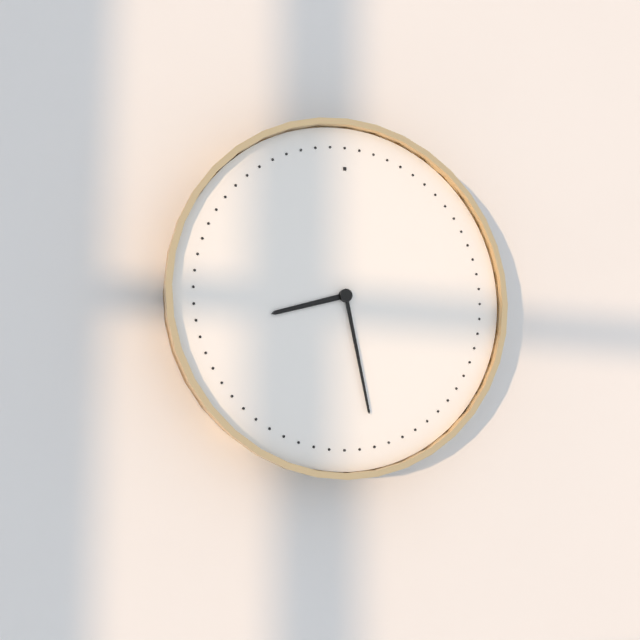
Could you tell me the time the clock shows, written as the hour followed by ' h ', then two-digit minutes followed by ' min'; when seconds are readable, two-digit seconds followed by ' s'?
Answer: 8 h 28 min
